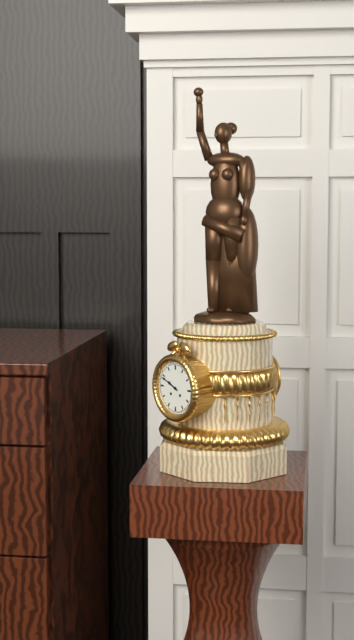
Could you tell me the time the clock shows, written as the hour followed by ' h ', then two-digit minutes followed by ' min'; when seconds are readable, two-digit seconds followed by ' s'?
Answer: 9 h 49 min
